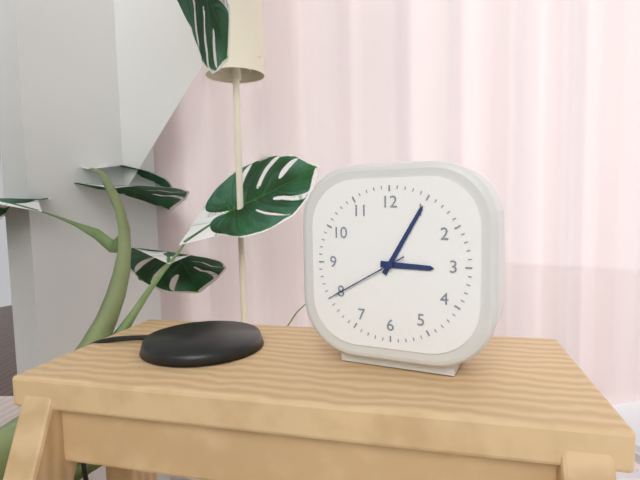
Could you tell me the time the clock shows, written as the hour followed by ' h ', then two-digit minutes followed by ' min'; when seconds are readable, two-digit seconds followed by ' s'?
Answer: 3 h 05 min 40 s
